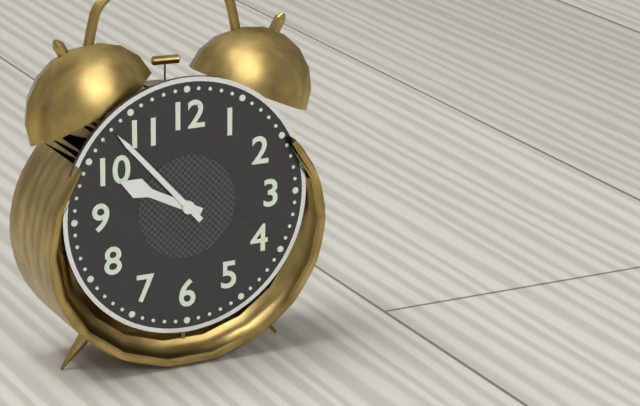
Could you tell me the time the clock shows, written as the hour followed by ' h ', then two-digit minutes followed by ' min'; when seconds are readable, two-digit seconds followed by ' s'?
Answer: 9 h 53 min
